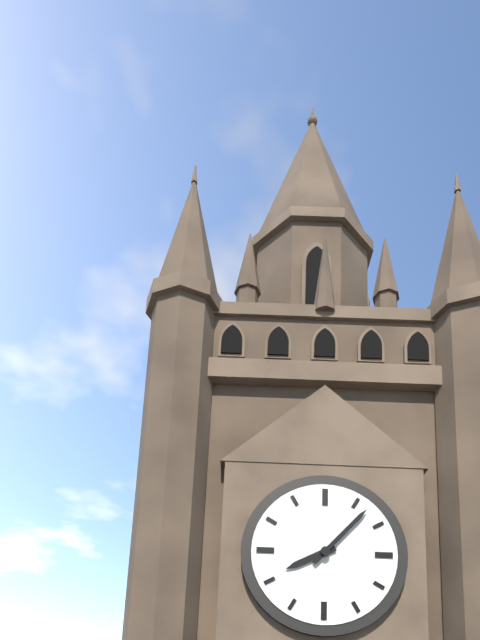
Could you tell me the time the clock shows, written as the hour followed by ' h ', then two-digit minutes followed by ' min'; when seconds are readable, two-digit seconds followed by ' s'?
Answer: 8 h 07 min
